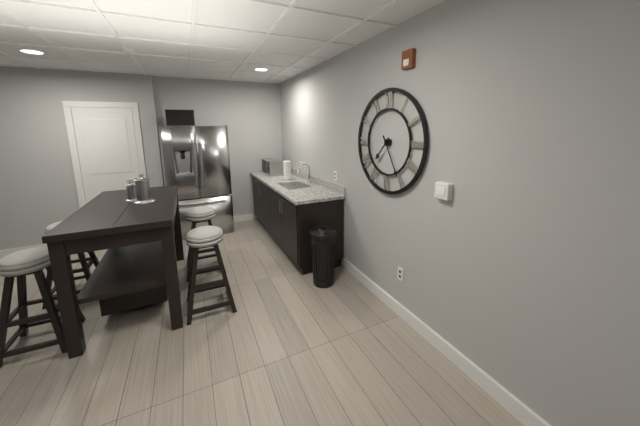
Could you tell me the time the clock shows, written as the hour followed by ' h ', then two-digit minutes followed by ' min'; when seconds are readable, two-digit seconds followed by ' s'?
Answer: 7 h 25 min
